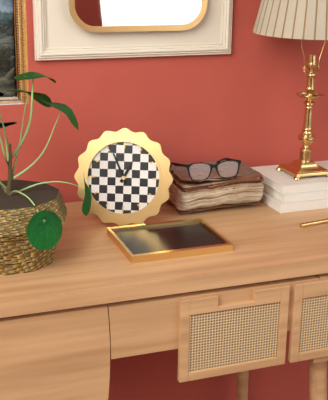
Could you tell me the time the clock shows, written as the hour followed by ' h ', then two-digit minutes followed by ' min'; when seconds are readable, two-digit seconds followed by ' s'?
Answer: 12 h 56 min
